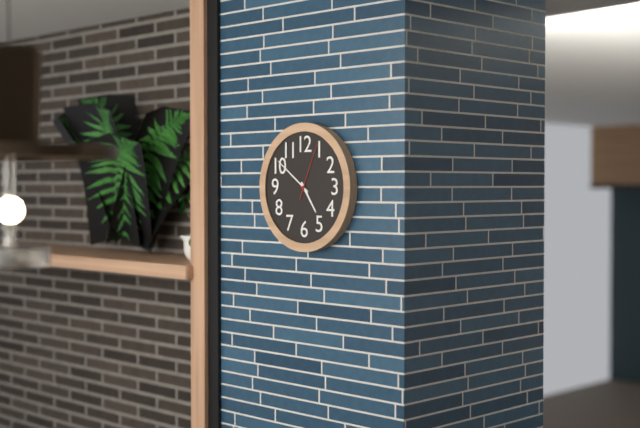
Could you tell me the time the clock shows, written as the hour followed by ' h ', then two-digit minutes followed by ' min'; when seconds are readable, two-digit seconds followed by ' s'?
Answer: 4 h 51 min 04 s
